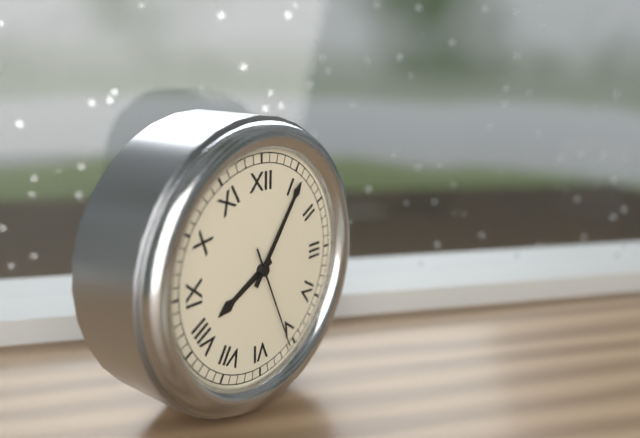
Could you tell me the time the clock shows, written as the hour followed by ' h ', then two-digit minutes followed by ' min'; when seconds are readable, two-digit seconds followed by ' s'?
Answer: 8 h 06 min 26 s
